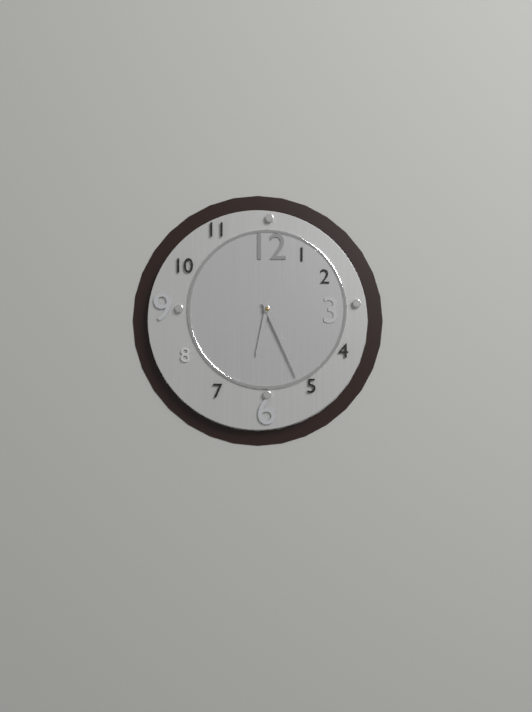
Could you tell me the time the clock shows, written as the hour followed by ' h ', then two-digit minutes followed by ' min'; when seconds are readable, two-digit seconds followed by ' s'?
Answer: 6 h 26 min
